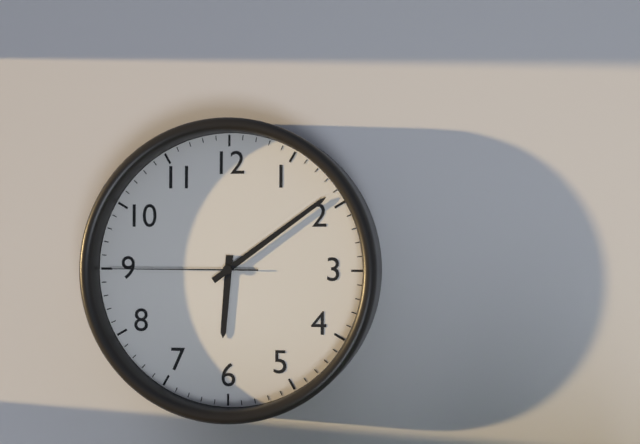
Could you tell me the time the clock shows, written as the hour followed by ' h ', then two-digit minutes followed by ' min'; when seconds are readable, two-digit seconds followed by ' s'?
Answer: 6 h 09 min 45 s
